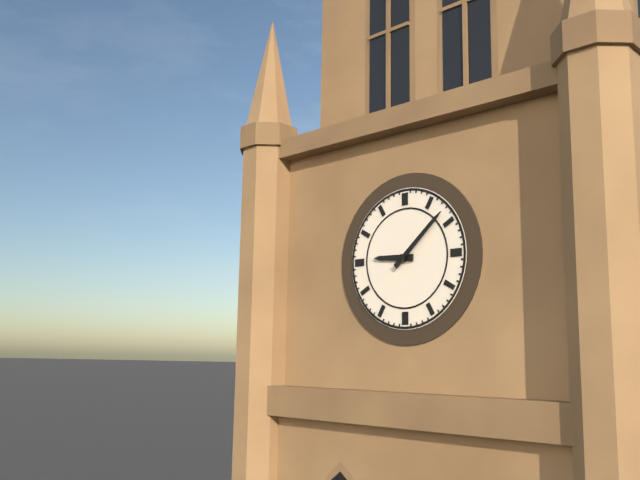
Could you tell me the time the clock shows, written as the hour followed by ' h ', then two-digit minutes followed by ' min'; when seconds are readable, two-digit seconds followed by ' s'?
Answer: 9 h 08 min
